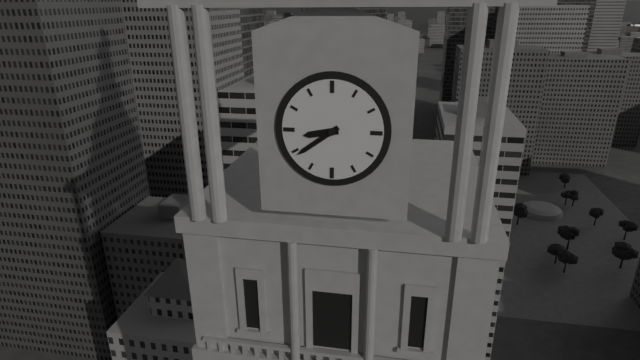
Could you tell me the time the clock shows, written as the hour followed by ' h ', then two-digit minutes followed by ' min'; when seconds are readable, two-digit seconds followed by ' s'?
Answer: 8 h 39 min
